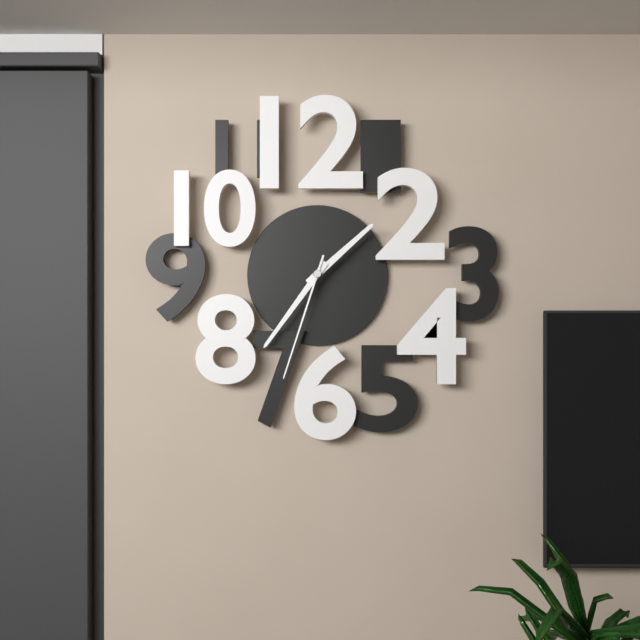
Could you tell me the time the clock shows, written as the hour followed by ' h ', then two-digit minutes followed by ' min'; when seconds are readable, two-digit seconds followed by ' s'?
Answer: 1 h 36 min 33 s
